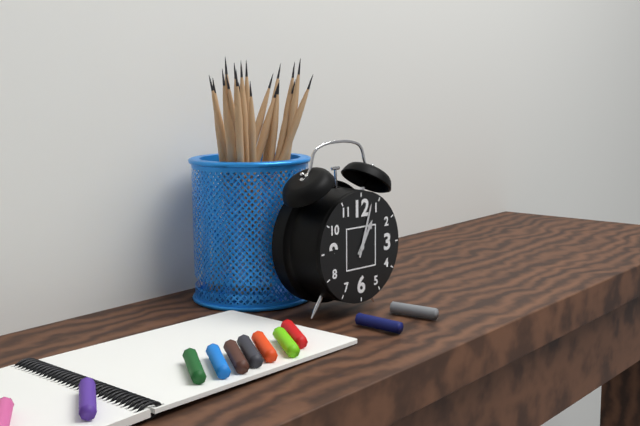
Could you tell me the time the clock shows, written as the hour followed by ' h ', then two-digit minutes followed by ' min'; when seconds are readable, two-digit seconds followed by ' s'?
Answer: 1 h 03 min
